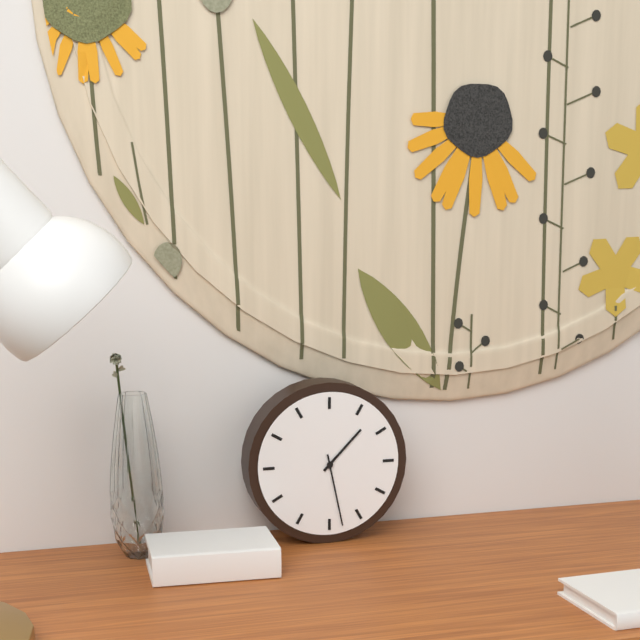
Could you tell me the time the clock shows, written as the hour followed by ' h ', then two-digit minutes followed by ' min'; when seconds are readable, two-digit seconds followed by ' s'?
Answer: 1 h 28 min
